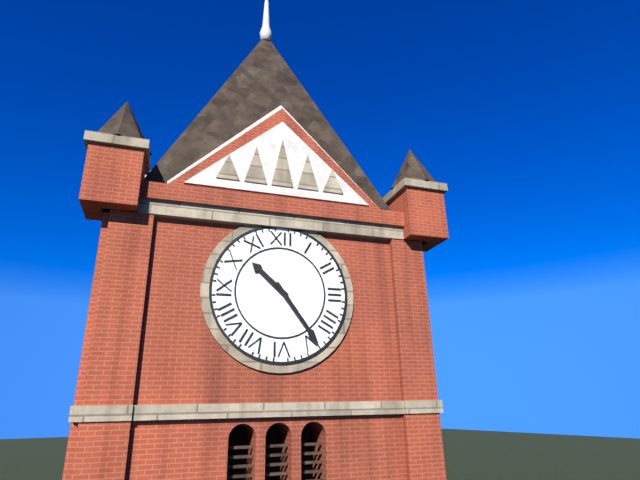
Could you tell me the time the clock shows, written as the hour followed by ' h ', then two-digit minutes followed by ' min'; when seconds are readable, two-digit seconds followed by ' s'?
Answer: 10 h 24 min
